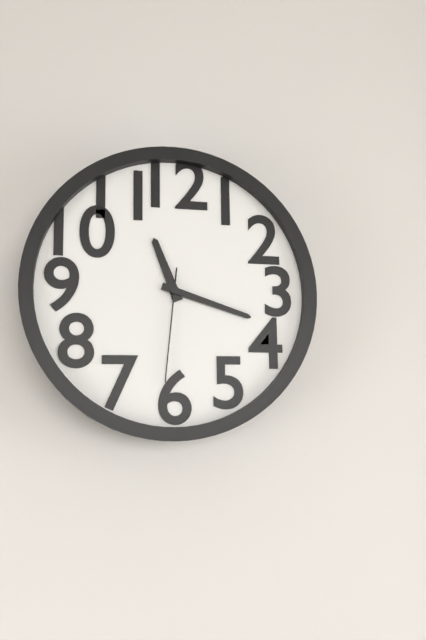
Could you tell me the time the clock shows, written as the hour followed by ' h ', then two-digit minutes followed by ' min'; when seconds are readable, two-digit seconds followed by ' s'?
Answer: 11 h 18 min 31 s
